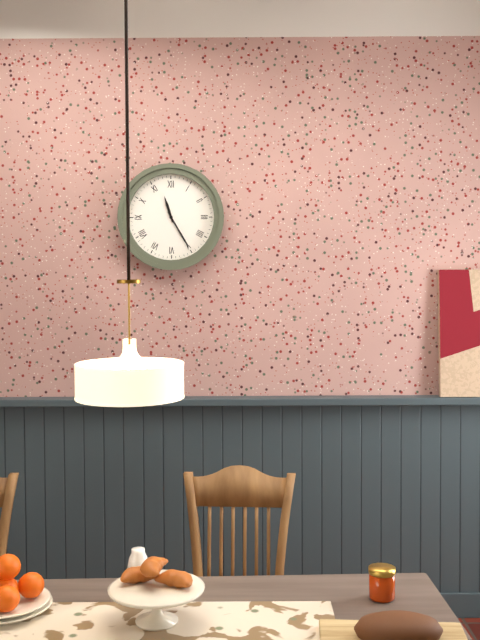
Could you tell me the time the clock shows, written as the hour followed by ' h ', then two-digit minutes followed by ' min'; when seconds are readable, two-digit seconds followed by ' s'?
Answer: 11 h 25 min
